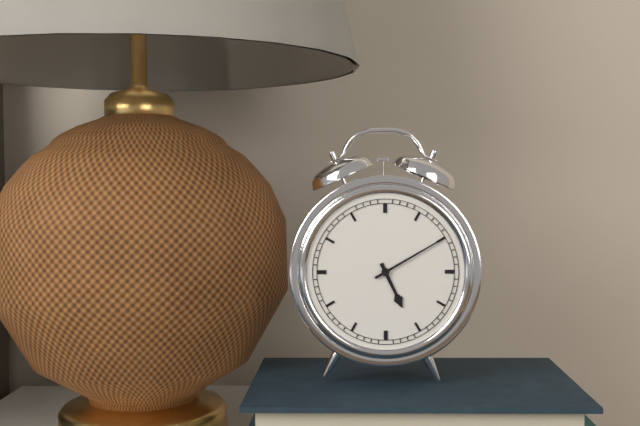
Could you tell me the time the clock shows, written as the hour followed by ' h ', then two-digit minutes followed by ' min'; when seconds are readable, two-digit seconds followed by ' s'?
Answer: 5 h 10 min
